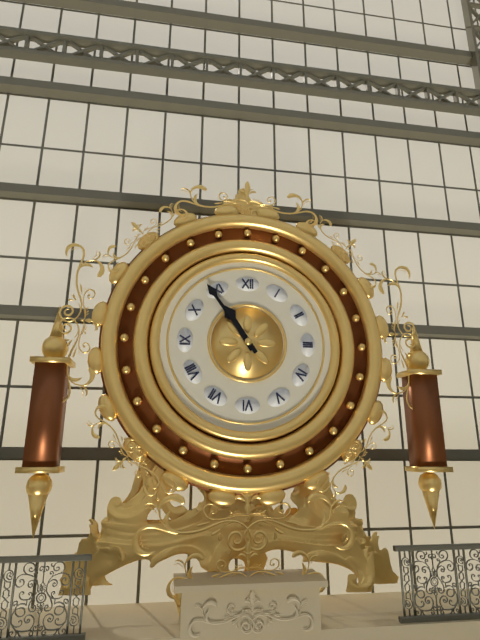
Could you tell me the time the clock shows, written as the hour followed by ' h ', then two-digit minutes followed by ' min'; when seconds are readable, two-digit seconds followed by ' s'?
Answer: 10 h 54 min
